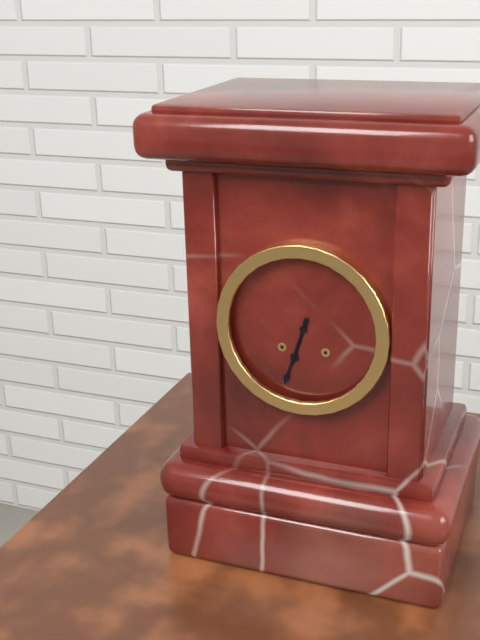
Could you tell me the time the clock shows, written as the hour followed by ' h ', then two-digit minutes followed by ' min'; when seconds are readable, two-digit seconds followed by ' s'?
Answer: 6 h 33 min
